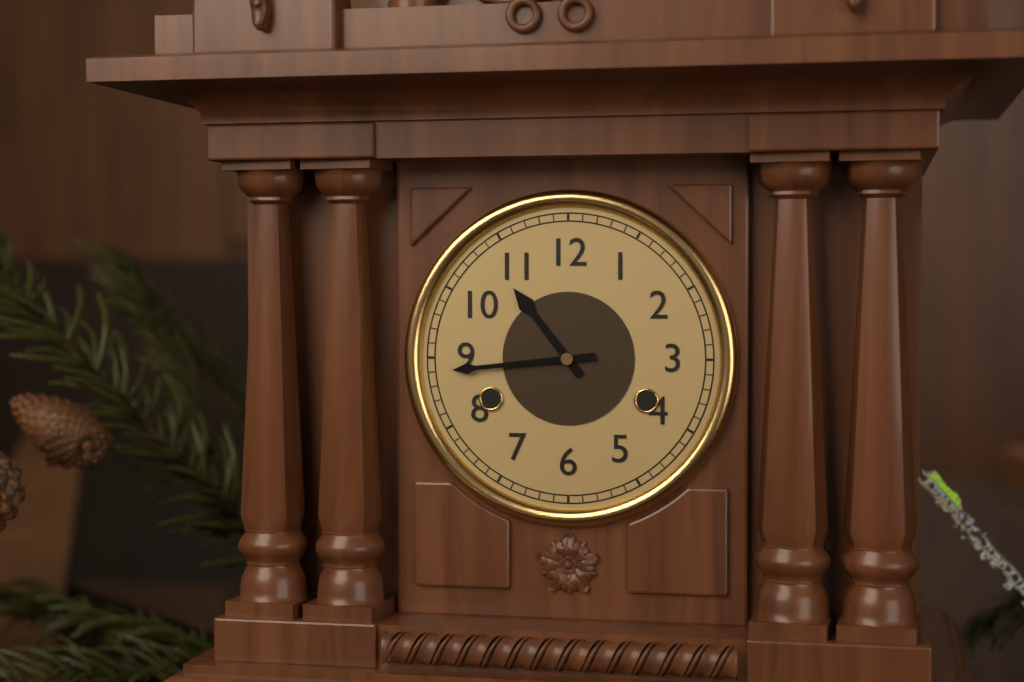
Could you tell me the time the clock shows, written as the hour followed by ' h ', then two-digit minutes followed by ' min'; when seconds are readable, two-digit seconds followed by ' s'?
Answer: 10 h 44 min
